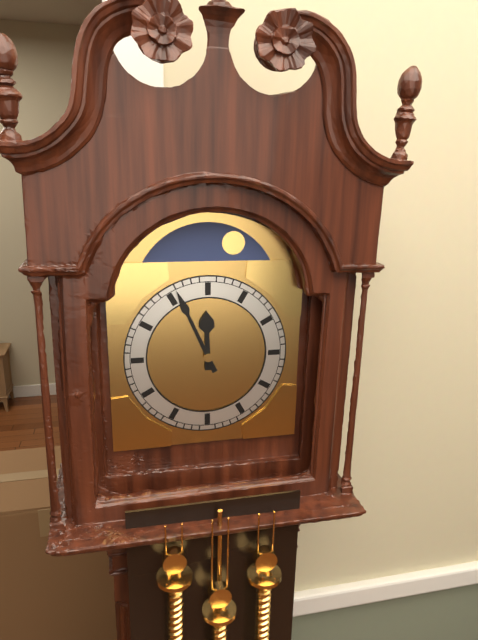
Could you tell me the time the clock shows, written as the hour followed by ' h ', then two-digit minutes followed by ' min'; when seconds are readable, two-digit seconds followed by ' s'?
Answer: 11 h 56 min
